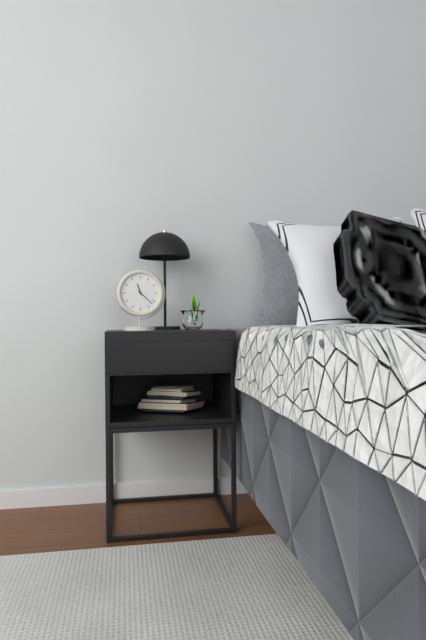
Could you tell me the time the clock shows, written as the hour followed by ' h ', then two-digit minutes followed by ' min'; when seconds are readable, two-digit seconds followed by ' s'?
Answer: 11 h 22 min
